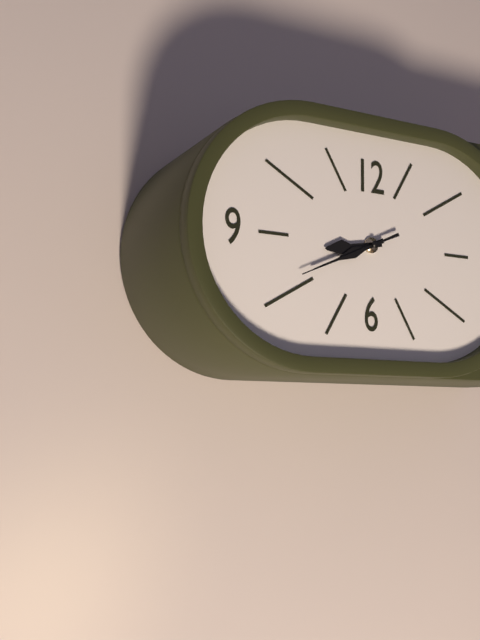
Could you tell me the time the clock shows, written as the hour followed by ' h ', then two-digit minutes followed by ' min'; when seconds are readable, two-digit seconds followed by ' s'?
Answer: 8 h 41 min
